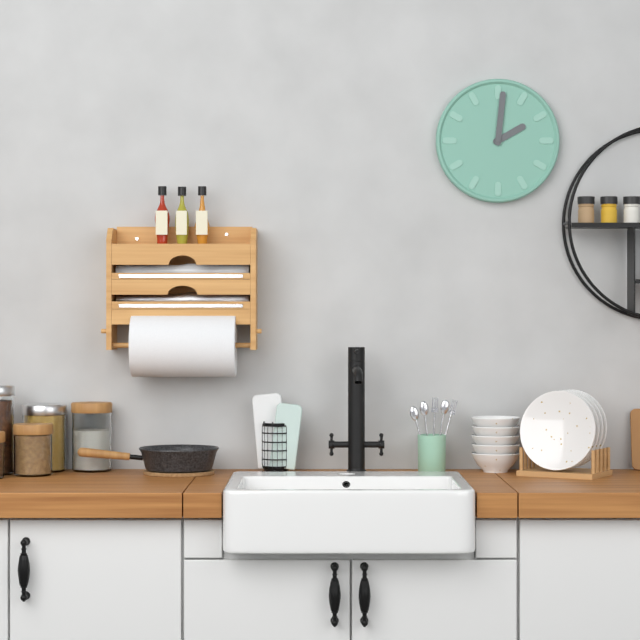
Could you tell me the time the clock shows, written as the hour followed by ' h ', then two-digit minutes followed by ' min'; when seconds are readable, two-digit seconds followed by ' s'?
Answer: 2 h 01 min
